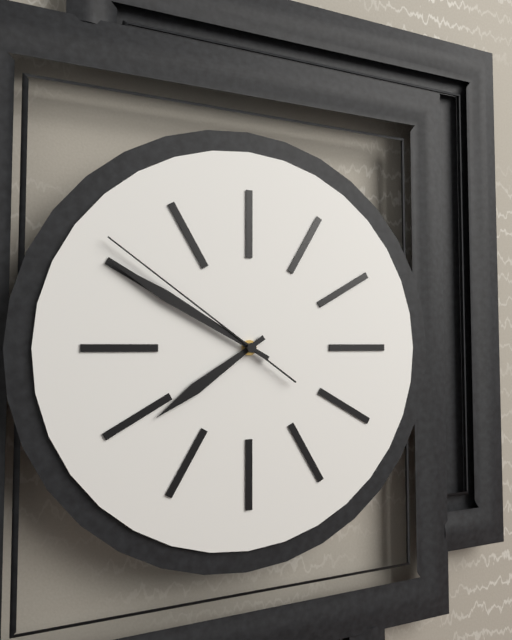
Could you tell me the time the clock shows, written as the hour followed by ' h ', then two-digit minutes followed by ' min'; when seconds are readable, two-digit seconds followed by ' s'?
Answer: 7 h 50 min 51 s
